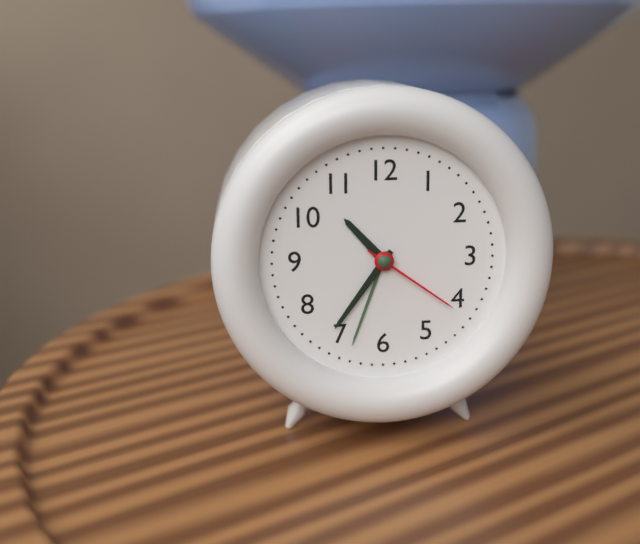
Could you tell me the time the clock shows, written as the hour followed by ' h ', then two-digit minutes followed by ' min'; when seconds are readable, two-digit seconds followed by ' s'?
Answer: 10 h 36 min 21 s
